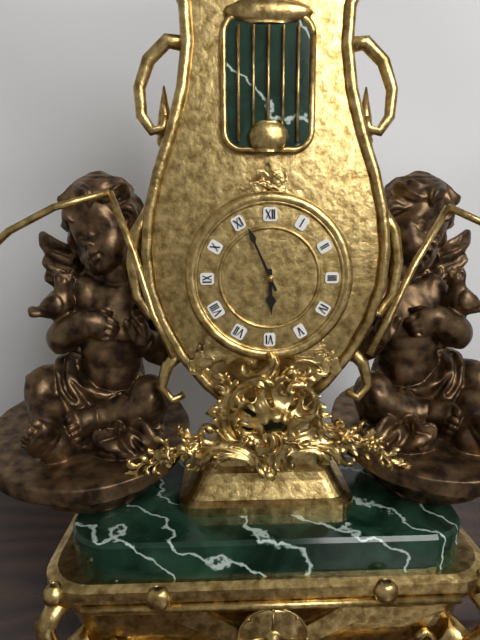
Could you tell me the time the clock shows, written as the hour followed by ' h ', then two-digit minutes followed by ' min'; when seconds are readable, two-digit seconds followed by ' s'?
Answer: 5 h 56 min
